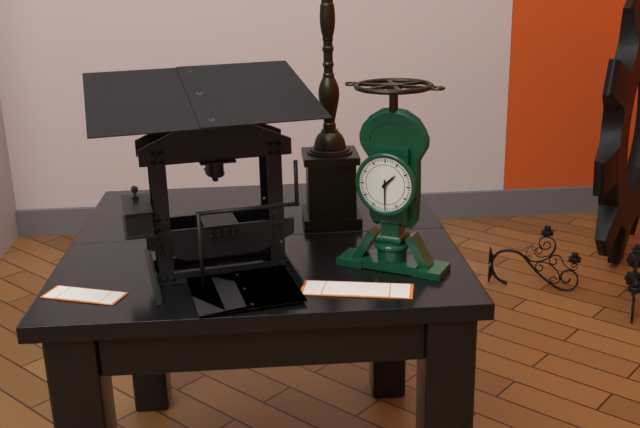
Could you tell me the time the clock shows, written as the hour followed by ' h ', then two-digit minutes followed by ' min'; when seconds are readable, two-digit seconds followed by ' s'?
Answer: 1 h 30 min
